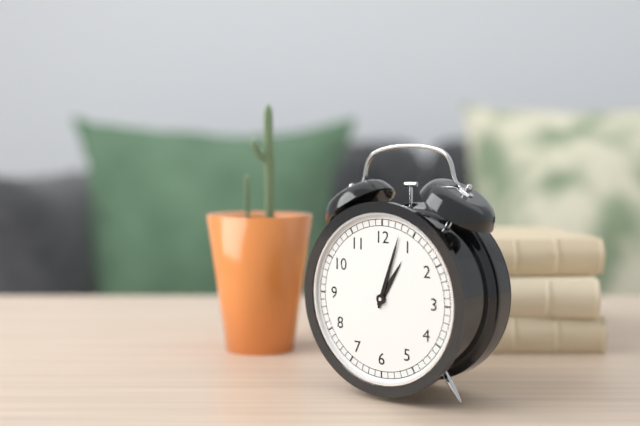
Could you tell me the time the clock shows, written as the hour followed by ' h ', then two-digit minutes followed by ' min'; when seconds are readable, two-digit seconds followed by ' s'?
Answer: 1 h 03 min
